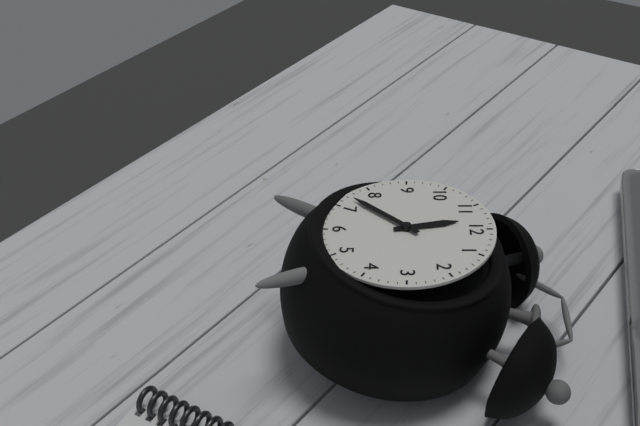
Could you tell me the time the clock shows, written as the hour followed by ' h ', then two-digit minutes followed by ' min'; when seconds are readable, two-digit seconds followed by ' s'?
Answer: 11 h 37 min
